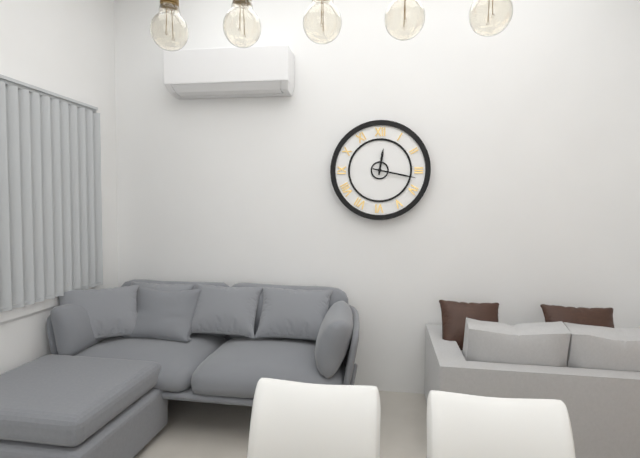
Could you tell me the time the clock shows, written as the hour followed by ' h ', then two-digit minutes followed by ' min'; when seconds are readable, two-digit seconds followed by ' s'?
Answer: 12 h 17 min
